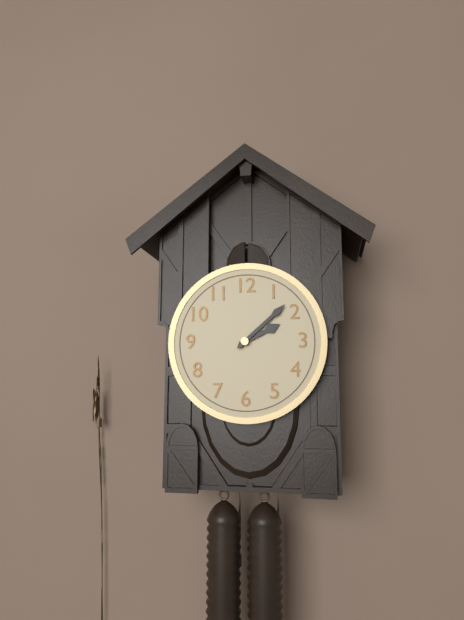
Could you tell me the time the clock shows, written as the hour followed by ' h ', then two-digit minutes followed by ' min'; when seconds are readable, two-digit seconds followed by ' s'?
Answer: 2 h 08 min
